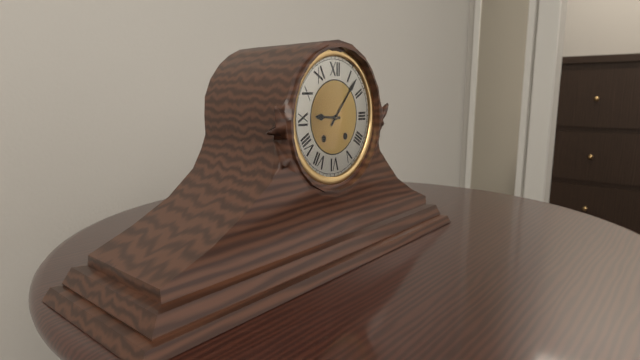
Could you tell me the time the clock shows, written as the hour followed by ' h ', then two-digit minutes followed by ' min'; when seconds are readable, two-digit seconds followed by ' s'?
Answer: 9 h 07 min
